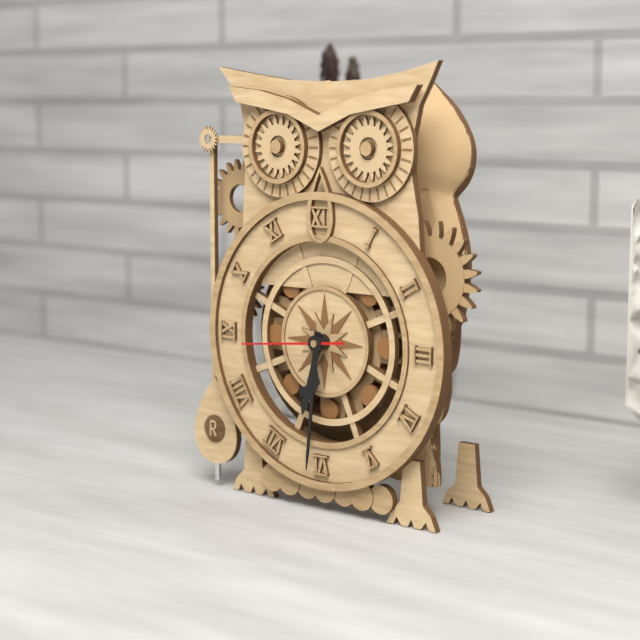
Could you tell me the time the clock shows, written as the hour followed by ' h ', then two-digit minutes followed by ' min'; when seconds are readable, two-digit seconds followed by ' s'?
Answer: 6 h 31 min 44 s
